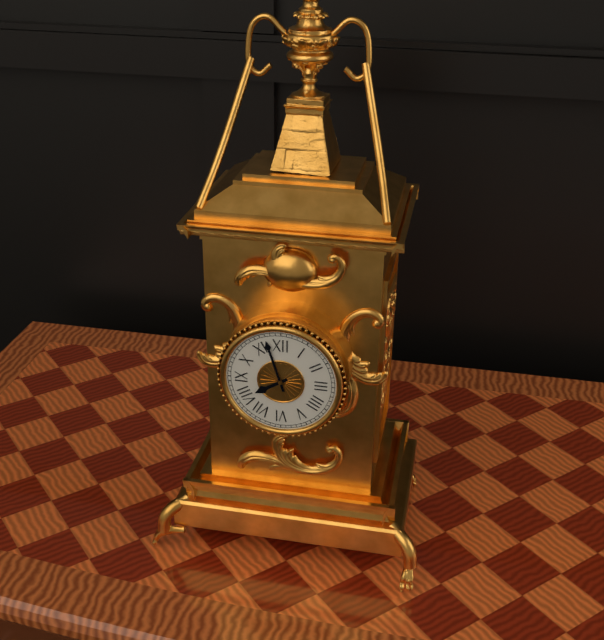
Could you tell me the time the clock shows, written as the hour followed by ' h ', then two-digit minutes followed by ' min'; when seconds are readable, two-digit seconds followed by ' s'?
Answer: 7 h 57 min
